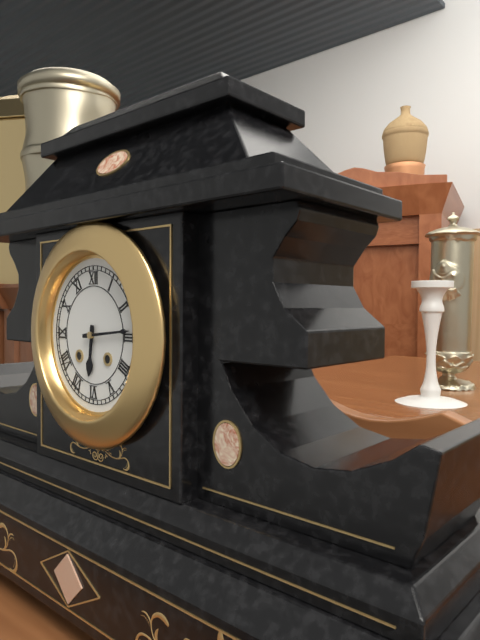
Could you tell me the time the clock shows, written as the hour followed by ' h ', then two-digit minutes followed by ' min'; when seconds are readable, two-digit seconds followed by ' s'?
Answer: 6 h 14 min
